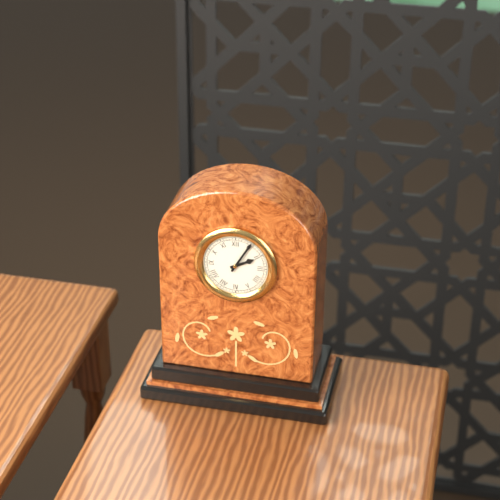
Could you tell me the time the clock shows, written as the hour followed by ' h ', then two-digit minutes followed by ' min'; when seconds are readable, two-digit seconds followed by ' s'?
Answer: 2 h 05 min
